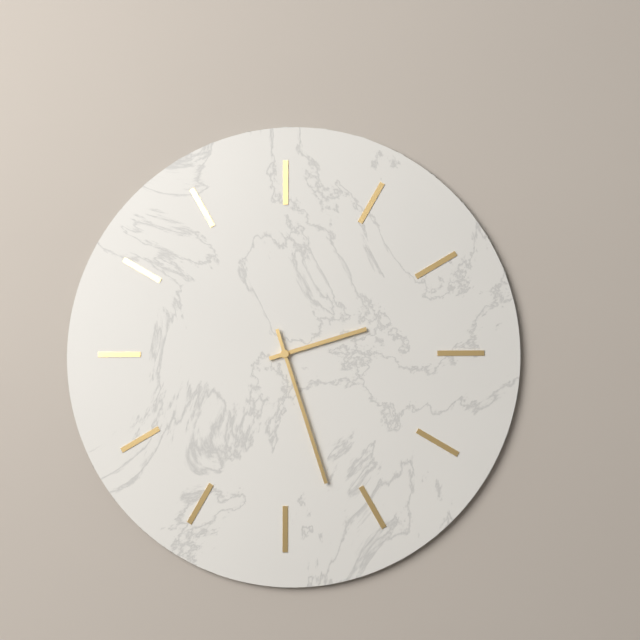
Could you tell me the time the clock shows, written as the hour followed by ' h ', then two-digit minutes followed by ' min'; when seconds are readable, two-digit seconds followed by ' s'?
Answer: 2 h 27 min
